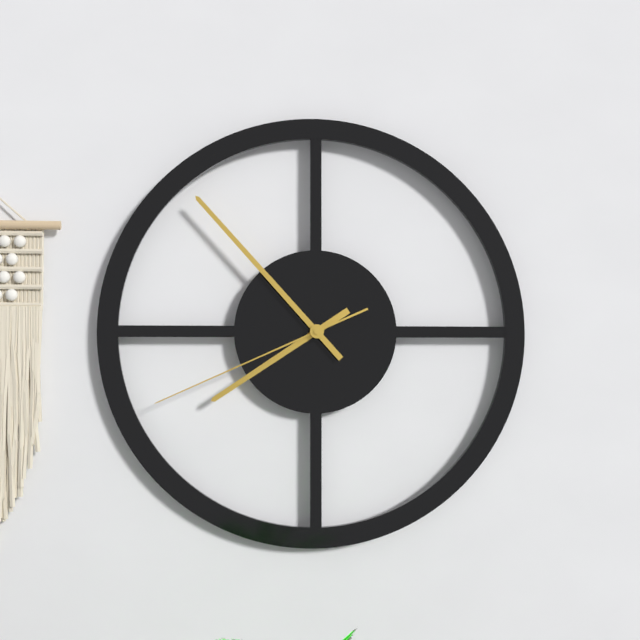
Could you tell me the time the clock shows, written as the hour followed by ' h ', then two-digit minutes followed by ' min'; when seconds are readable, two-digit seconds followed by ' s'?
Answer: 7 h 53 min 41 s
